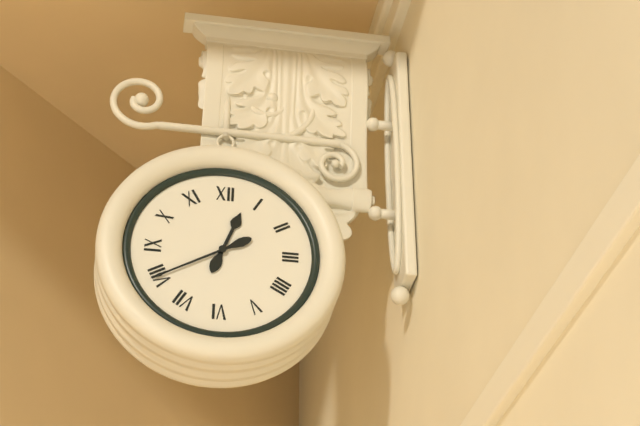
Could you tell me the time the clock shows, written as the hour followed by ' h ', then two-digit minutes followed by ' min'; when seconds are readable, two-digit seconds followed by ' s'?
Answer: 12 h 40 min
